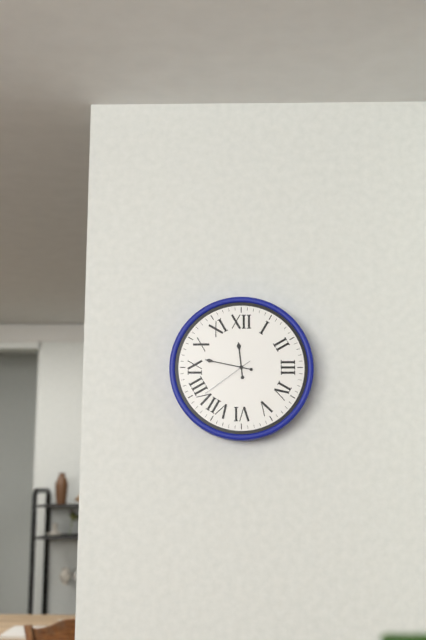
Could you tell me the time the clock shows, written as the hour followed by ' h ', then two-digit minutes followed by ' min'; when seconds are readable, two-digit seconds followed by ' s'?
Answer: 11 h 47 min 39 s
